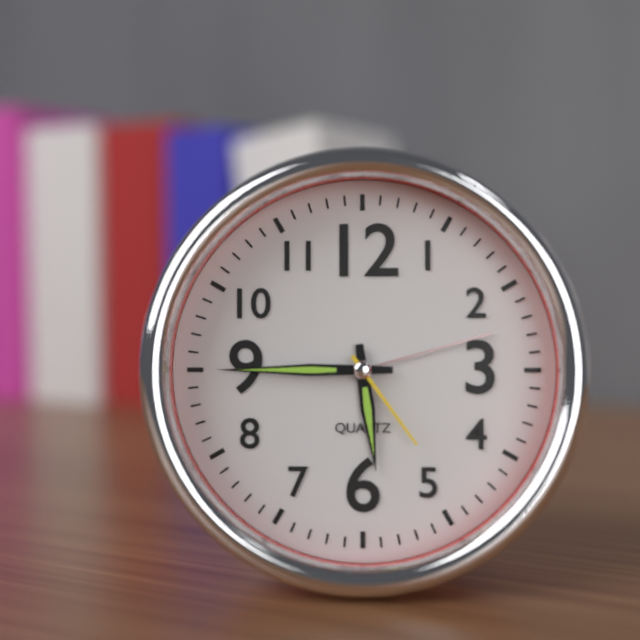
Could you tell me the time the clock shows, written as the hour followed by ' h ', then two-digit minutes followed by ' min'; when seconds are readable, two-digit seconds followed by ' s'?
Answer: 5 h 45 min 24 s
